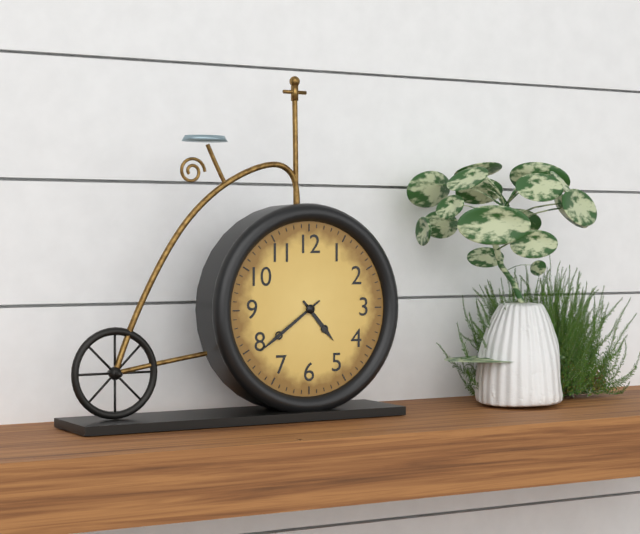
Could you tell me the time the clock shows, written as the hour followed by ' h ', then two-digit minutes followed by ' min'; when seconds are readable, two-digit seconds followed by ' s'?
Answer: 4 h 39 min
